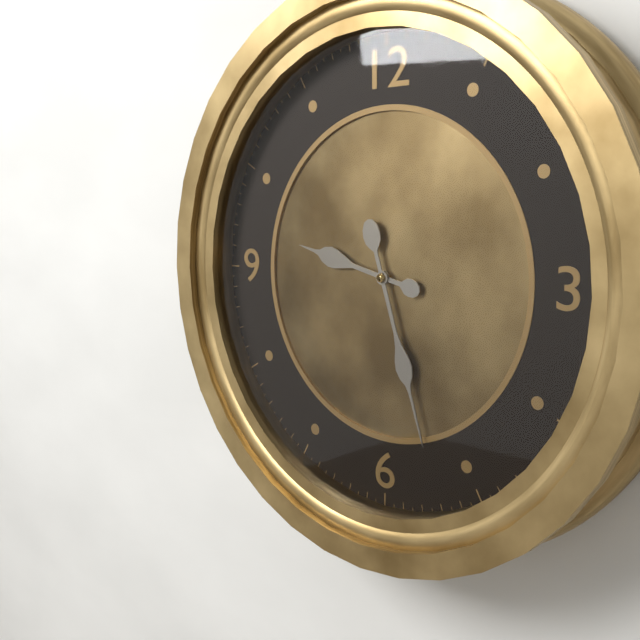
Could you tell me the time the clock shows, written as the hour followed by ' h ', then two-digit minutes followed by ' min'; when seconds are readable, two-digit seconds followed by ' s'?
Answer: 9 h 27 min
